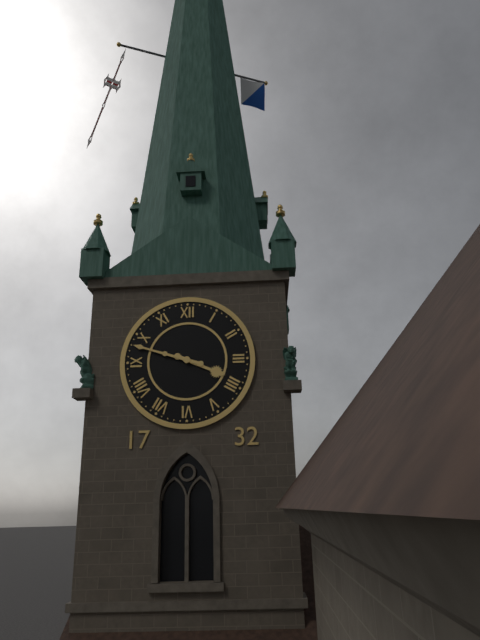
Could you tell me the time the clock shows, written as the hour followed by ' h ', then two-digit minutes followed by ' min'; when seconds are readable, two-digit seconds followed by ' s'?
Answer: 3 h 48 min
